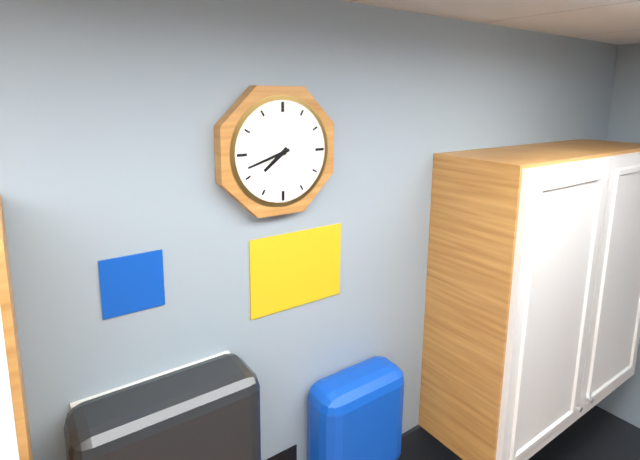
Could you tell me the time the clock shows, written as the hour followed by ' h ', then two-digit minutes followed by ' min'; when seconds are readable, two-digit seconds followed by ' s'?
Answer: 7 h 42 min
